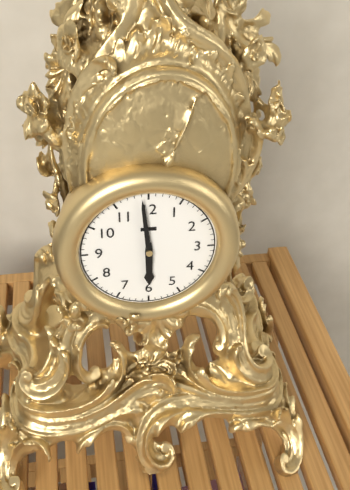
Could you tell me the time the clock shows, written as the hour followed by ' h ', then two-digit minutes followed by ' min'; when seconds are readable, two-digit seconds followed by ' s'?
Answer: 5 h 59 min
